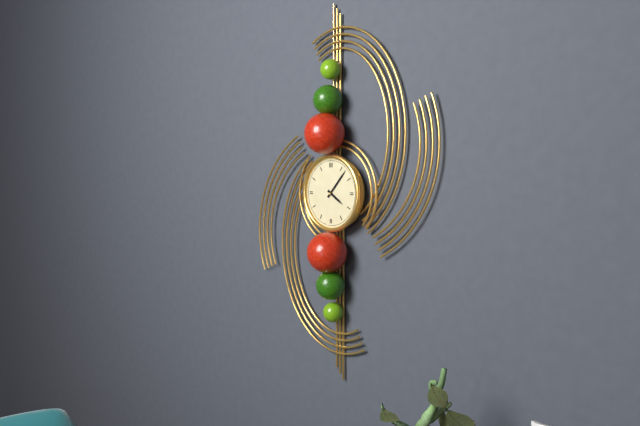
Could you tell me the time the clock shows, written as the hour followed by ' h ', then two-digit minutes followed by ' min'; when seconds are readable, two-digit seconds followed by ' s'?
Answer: 4 h 07 min
